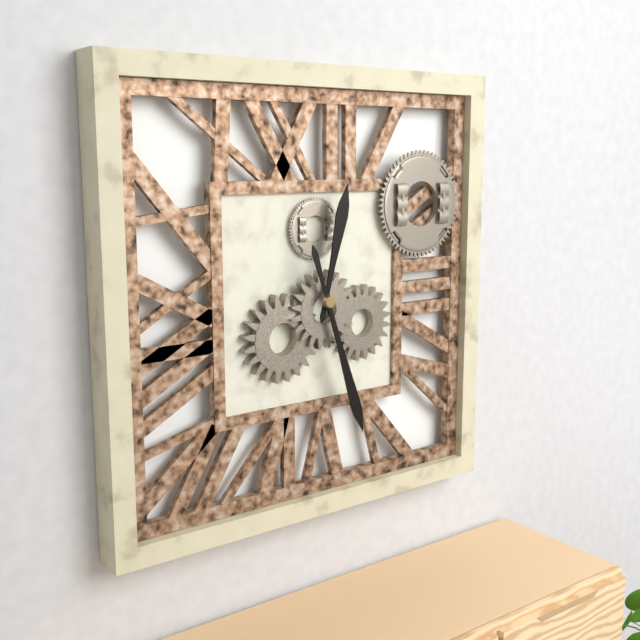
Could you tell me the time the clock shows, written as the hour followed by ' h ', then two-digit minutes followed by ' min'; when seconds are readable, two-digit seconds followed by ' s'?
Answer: 12 h 27 min
